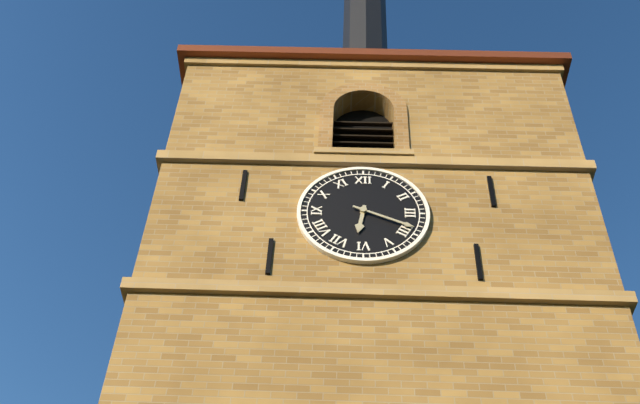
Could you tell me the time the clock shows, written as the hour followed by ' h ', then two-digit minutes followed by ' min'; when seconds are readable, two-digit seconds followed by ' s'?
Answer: 6 h 19 min
